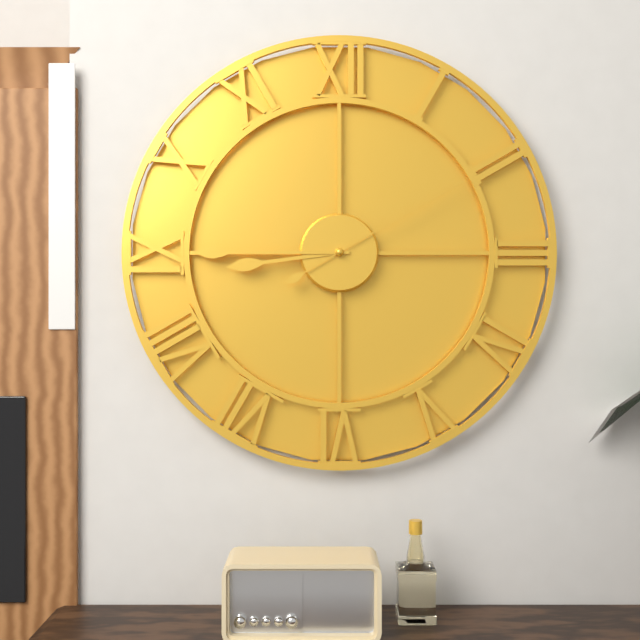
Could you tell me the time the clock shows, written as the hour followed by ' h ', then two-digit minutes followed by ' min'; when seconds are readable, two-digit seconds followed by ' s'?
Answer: 8 h 45 min 10 s
